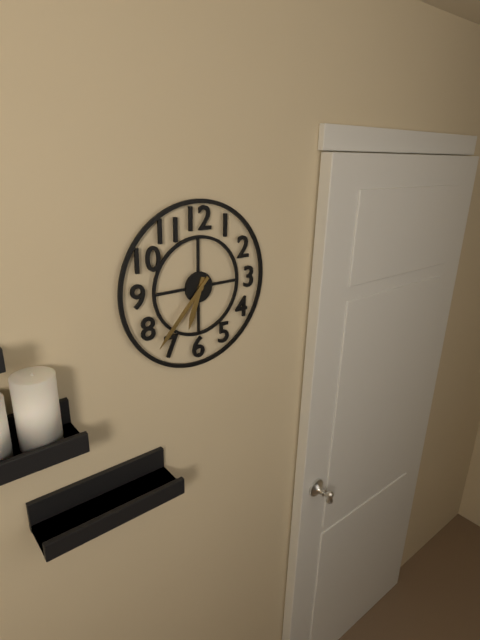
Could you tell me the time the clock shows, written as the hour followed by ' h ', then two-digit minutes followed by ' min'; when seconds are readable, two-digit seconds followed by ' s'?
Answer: 6 h 37 min
